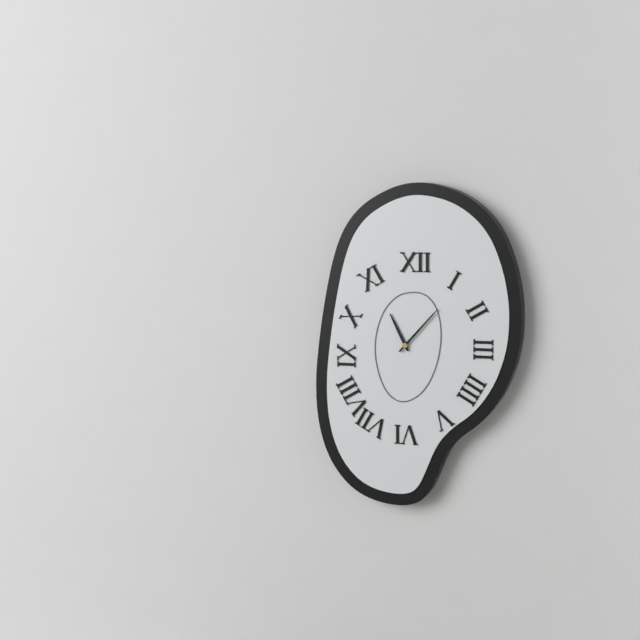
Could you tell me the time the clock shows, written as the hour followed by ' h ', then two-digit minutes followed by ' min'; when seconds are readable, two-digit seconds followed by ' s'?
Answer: 11 h 07 min
